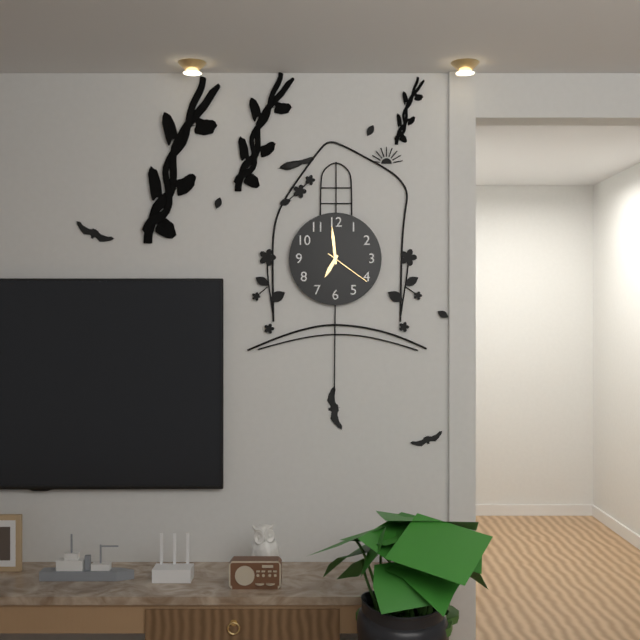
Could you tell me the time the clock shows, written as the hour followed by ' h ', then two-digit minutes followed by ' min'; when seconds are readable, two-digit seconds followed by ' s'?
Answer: 6 h 59 min
